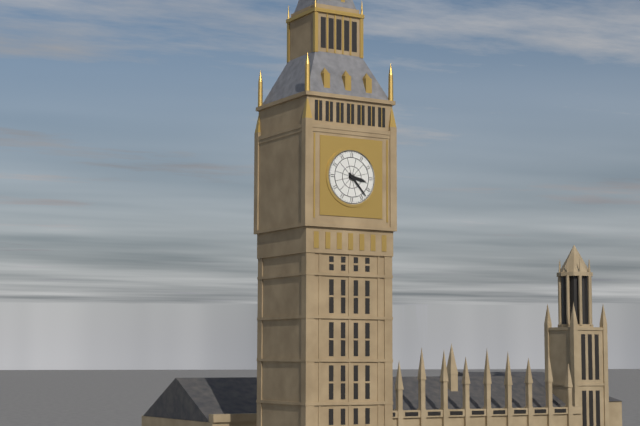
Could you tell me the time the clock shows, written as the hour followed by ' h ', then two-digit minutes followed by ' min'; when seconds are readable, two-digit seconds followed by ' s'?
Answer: 3 h 23 min
